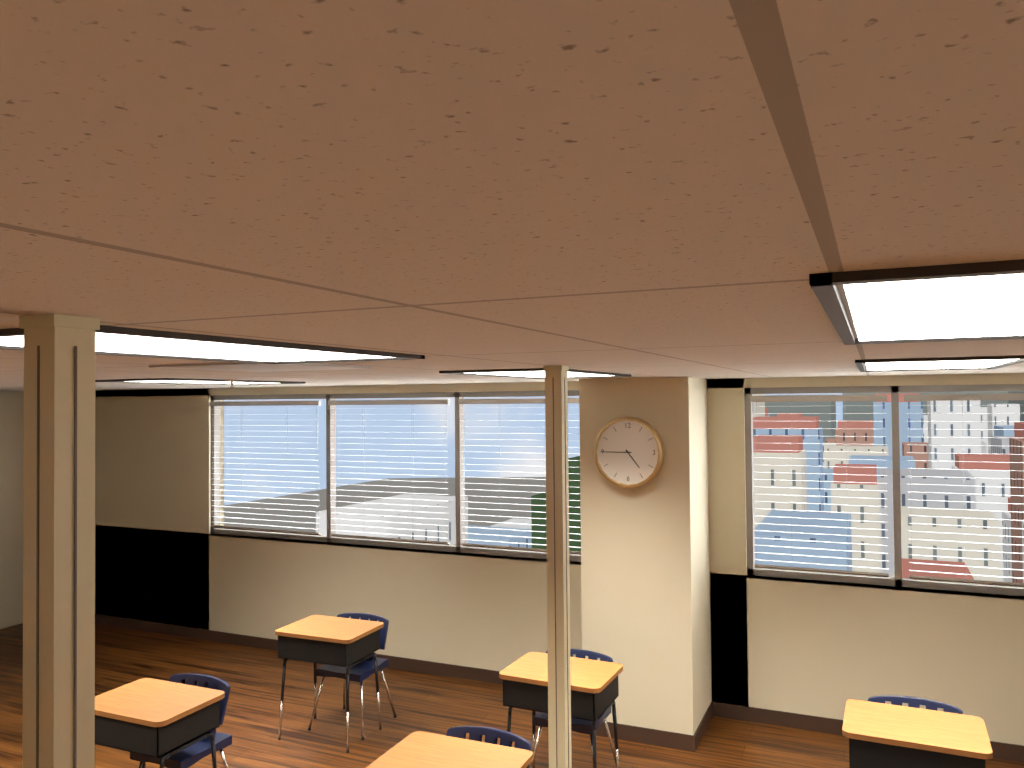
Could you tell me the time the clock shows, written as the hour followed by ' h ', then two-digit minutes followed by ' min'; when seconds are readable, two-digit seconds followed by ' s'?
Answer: 4 h 45 min
